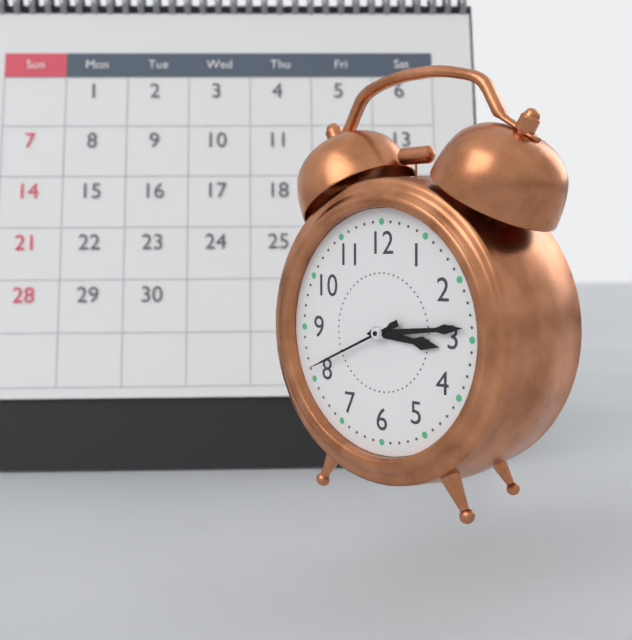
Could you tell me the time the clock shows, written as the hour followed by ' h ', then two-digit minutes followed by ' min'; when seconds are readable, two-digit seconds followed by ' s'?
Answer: 3 h 14 min 41 s
